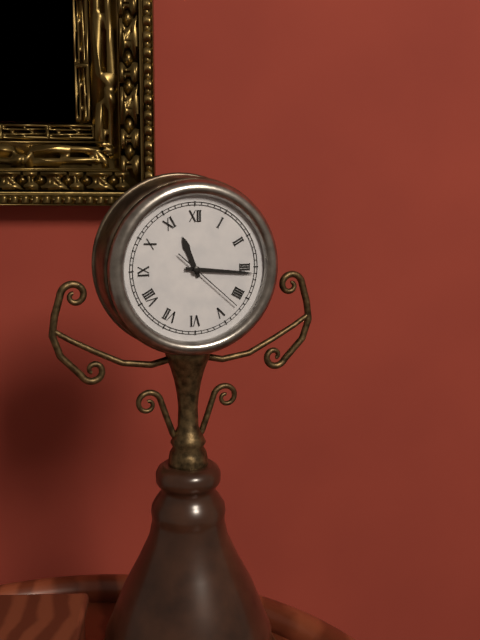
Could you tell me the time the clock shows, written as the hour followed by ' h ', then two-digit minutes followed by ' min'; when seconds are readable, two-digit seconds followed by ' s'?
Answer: 11 h 16 min 22 s
